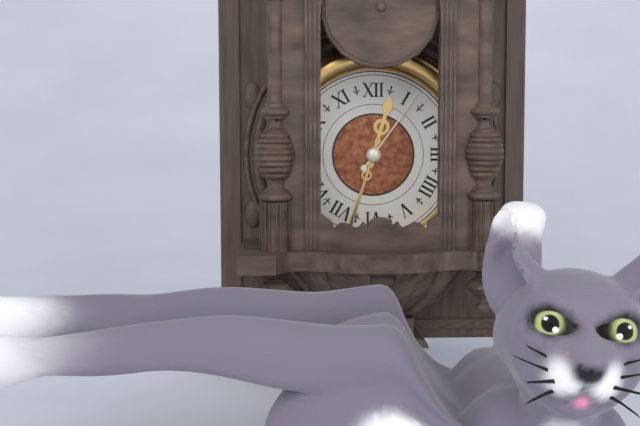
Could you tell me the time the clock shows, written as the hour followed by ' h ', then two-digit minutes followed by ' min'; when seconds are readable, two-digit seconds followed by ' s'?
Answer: 12 h 33 min 06 s
